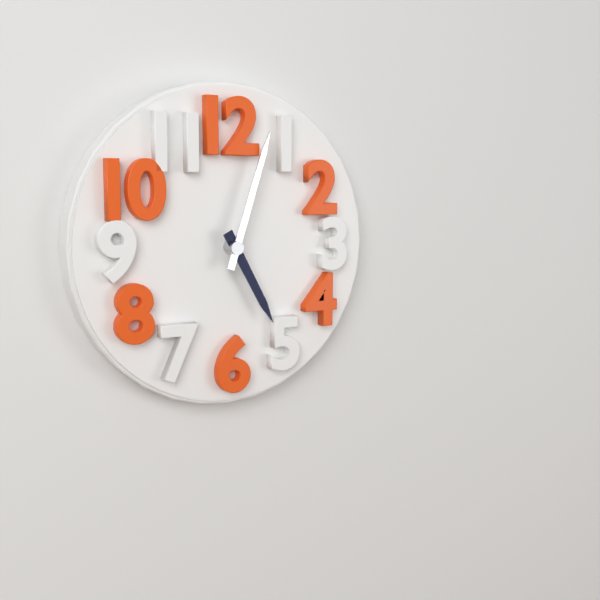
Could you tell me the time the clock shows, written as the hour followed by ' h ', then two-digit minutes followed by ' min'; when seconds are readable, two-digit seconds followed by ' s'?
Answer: 5 h 03 min
